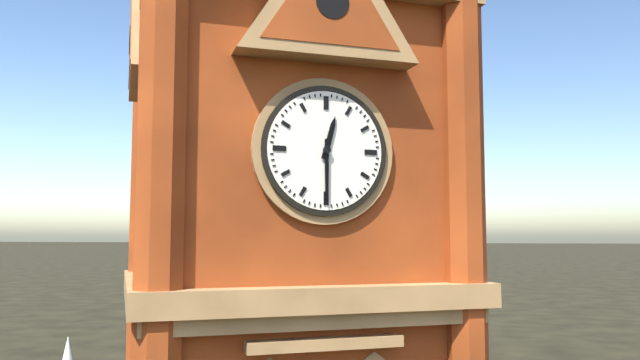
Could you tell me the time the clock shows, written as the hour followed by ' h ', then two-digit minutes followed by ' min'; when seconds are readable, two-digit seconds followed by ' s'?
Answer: 12 h 30 min
